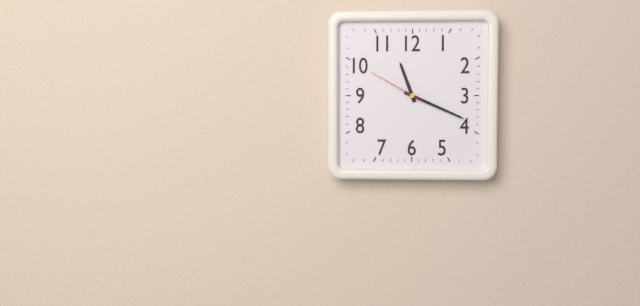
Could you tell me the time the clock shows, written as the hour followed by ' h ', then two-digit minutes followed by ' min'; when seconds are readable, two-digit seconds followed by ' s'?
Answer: 11 h 19 min 50 s
